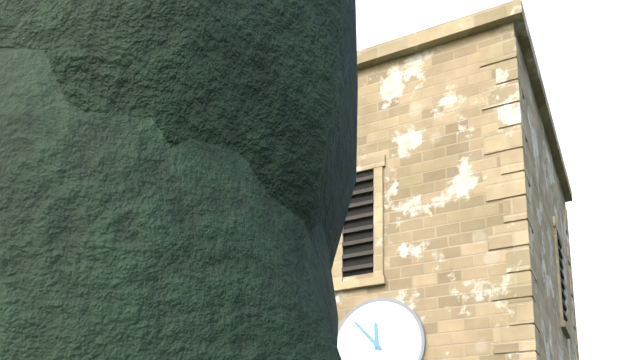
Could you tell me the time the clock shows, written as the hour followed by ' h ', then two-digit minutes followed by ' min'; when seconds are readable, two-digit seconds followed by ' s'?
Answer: 11 h 53 min
